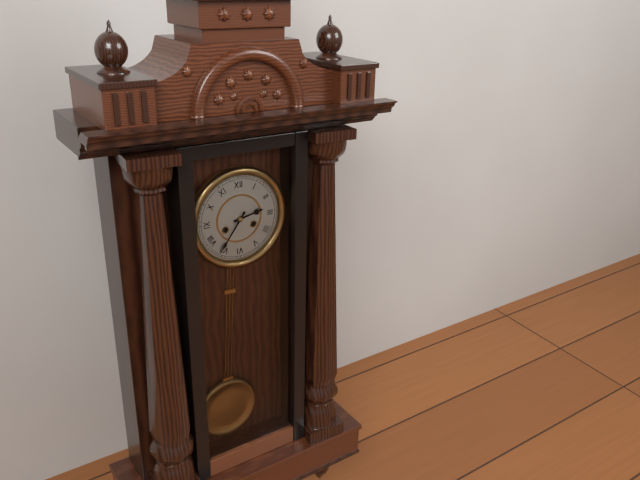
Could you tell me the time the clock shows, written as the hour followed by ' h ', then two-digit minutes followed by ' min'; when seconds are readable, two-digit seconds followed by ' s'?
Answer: 2 h 36 min
